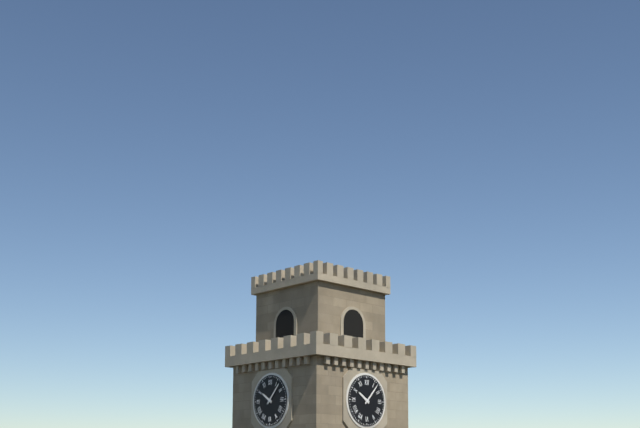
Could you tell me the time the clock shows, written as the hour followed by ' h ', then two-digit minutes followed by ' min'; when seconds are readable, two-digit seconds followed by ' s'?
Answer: 10 h 07 min
